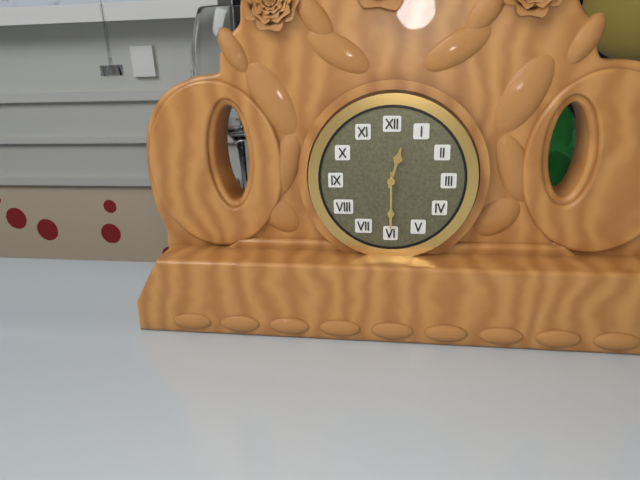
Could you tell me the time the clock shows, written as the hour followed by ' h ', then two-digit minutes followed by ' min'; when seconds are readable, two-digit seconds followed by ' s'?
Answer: 12 h 30 min
